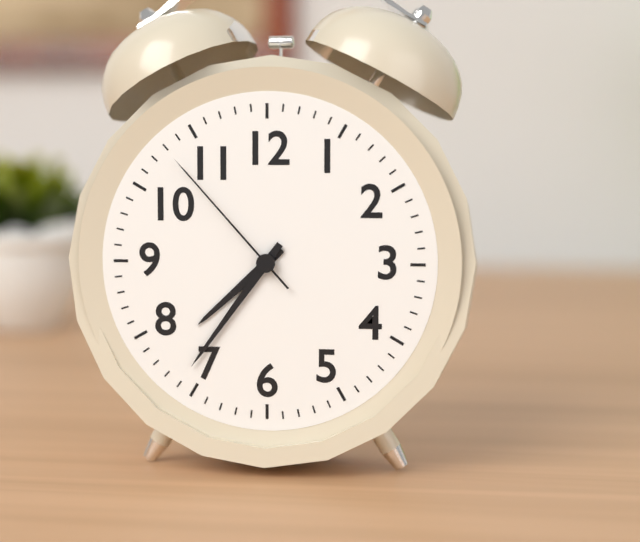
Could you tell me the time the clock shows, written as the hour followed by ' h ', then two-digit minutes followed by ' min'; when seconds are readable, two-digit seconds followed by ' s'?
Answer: 7 h 36 min 53 s
